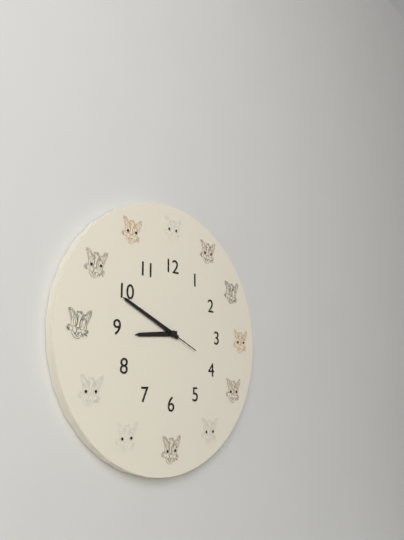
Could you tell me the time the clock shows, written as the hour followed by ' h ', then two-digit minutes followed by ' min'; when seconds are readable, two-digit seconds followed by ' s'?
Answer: 8 h 49 min
